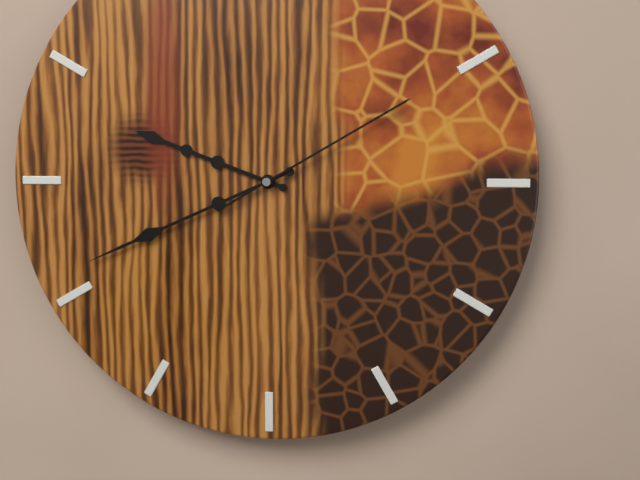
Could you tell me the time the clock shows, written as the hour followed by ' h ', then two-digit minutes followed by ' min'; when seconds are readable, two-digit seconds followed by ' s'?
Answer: 9 h 41 min 10 s
